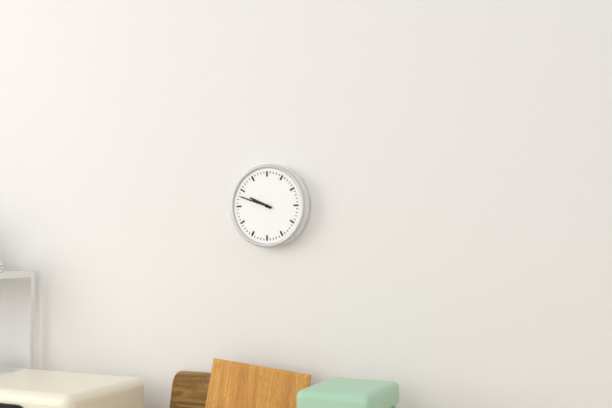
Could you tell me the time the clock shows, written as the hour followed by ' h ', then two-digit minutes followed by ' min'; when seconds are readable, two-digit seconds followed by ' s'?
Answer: 9 h 48 min
